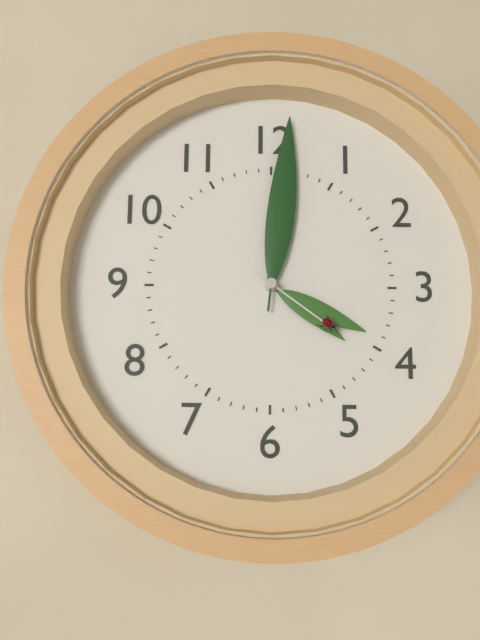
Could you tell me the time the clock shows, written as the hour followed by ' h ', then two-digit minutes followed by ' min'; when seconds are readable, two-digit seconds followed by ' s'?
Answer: 4 h 01 min 21 s
